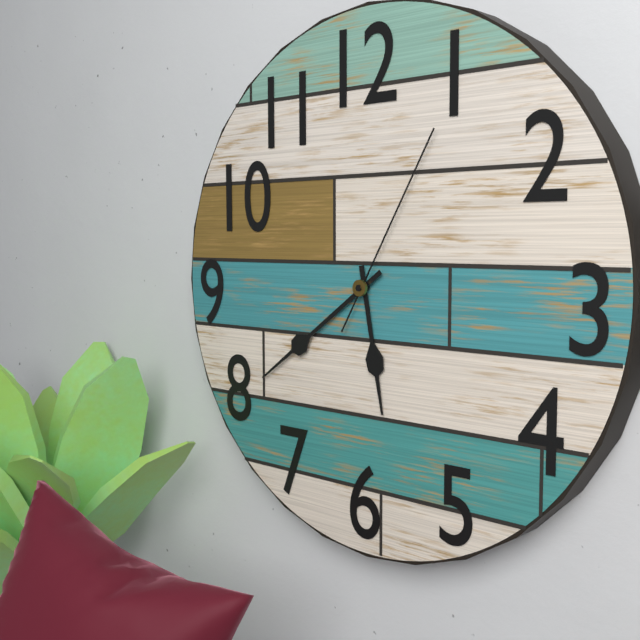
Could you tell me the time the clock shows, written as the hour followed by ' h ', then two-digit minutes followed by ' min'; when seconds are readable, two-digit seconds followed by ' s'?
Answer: 5 h 39 min 05 s
